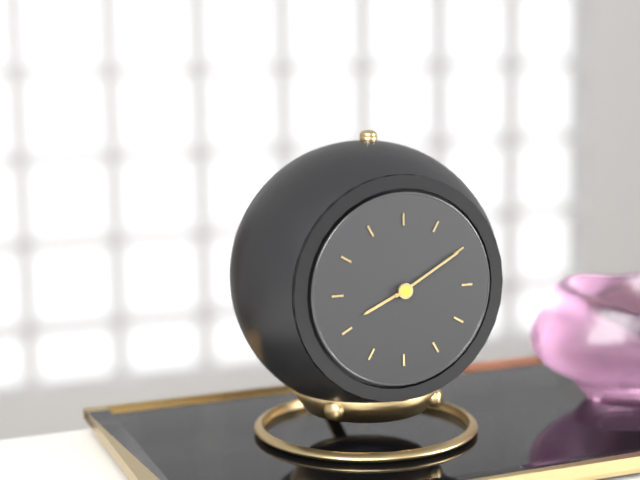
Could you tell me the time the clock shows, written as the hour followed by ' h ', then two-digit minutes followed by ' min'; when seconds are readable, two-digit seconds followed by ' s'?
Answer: 8 h 10 min
